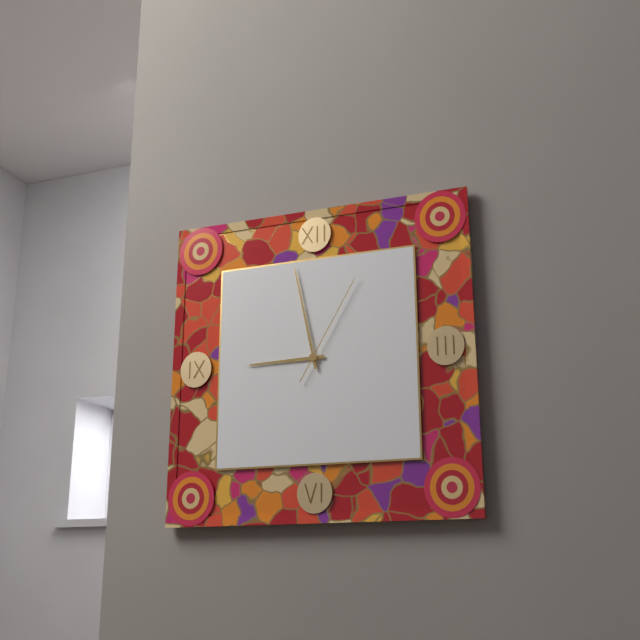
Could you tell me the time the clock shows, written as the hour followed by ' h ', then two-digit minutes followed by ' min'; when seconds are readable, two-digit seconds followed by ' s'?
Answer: 8 h 58 min 05 s
